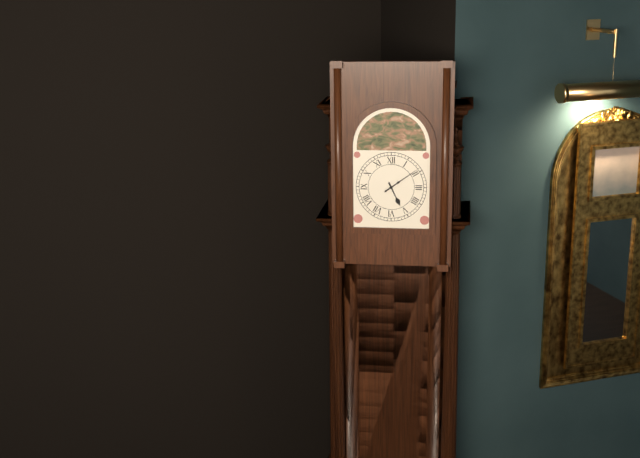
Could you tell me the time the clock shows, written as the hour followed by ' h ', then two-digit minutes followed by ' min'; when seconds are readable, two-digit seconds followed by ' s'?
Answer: 5 h 09 min
